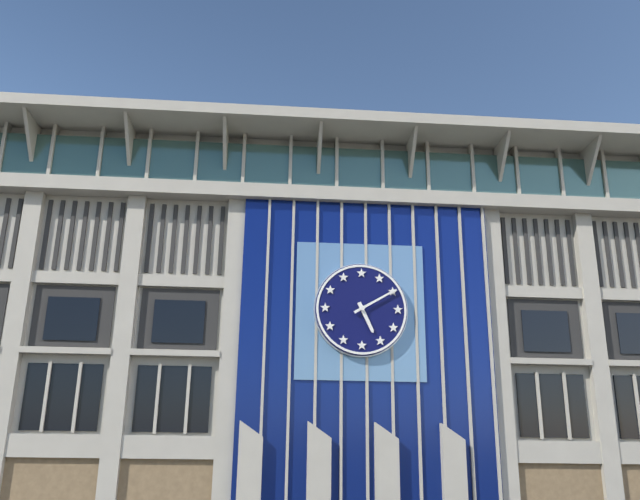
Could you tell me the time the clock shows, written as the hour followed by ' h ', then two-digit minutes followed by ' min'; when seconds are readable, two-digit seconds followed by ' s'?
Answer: 5 h 10 min
